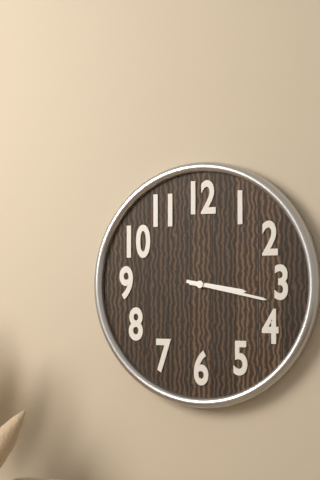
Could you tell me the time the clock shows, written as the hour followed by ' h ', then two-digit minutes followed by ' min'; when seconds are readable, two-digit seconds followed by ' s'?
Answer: 3 h 17 min
